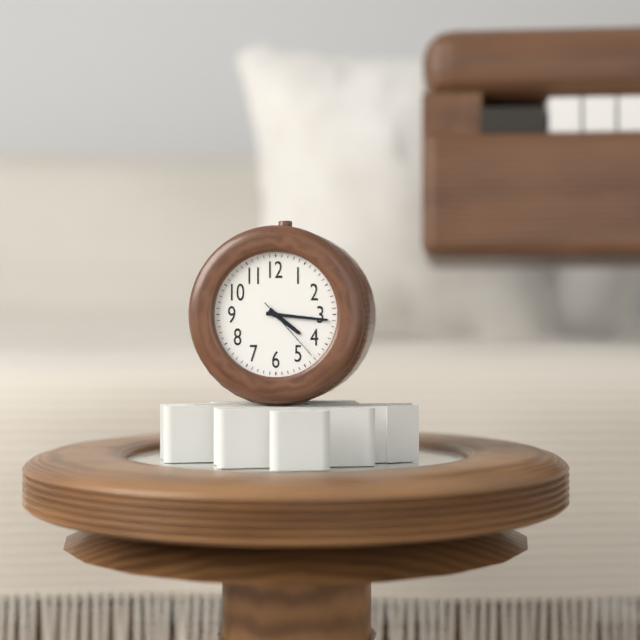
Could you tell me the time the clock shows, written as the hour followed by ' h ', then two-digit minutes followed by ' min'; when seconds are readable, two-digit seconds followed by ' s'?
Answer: 4 h 16 min 23 s
